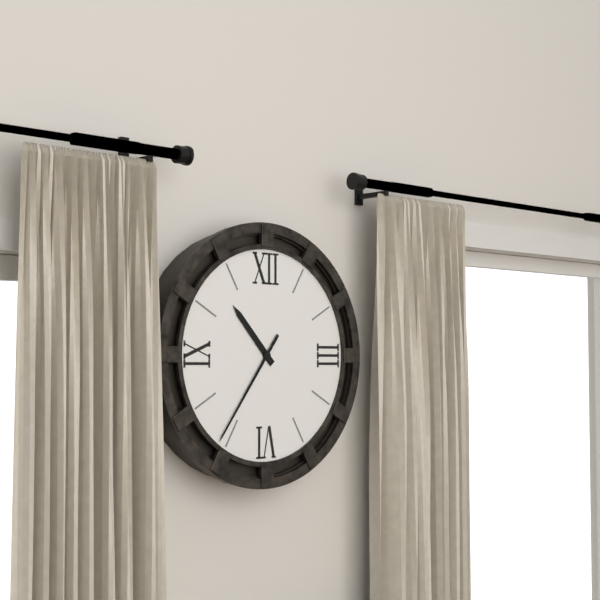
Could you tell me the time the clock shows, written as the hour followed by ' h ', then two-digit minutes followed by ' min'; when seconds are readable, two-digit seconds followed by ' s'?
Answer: 10 h 36 min
